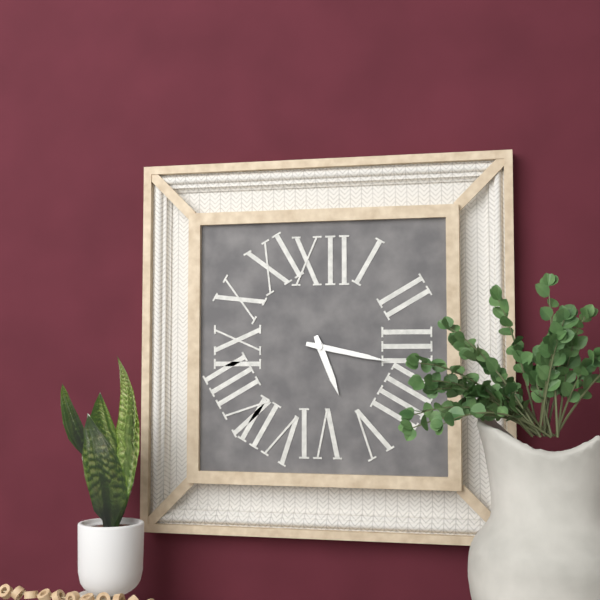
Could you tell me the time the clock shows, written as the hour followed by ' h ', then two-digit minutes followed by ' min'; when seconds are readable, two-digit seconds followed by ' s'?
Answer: 5 h 17 min
